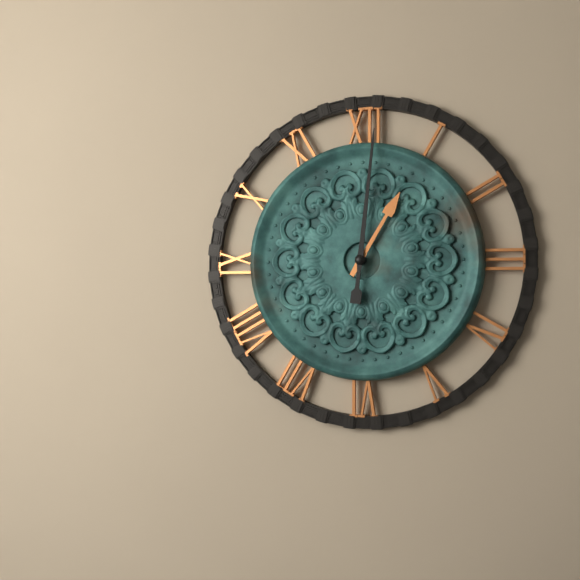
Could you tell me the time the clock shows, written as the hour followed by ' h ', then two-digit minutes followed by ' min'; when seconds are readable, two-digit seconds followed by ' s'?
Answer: 1 h 01 min
